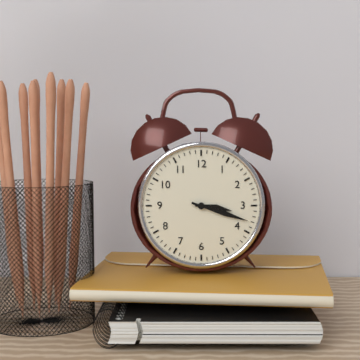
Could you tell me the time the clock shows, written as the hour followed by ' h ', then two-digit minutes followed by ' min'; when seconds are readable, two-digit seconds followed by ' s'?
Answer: 3 h 18 min
